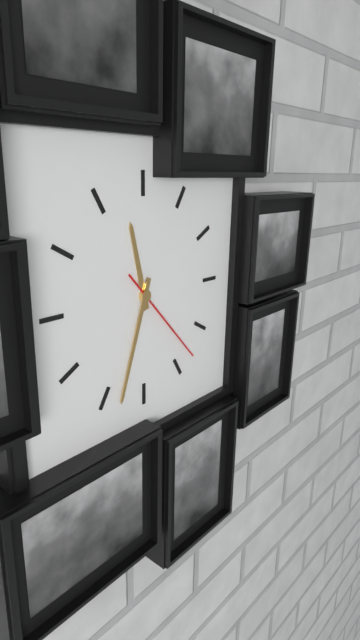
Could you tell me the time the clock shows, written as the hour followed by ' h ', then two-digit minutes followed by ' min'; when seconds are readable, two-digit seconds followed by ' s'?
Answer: 11 h 33 min 23 s
